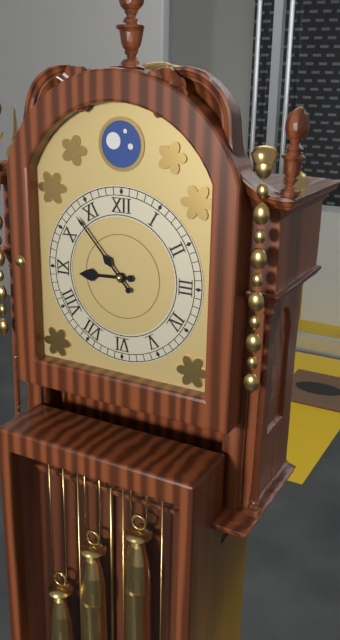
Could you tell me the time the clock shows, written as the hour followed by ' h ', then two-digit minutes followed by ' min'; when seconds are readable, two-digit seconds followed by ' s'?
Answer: 8 h 53 min
